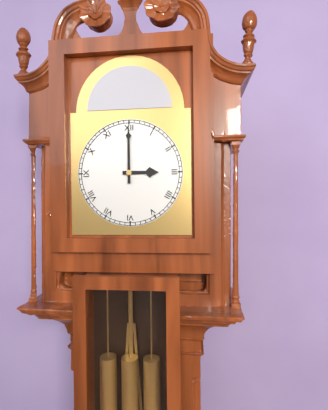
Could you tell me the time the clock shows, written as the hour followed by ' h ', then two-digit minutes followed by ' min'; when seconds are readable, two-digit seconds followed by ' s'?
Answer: 3 h 00 min
